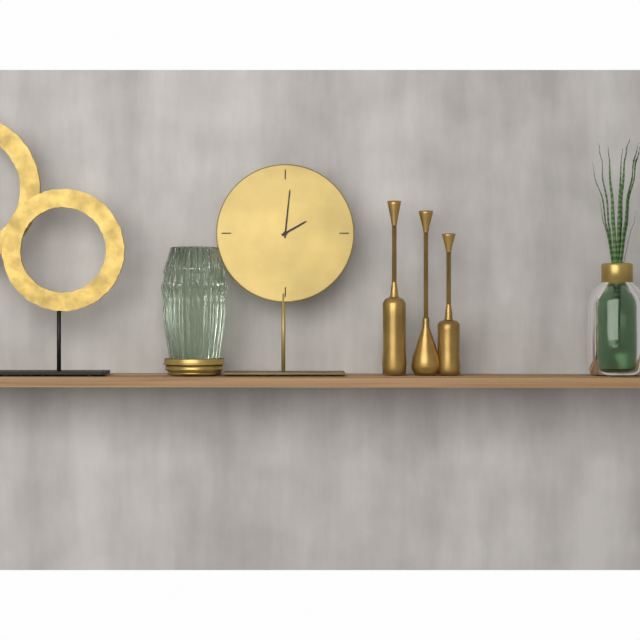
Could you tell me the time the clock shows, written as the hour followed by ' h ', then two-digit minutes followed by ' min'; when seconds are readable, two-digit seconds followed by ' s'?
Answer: 2 h 01 min
